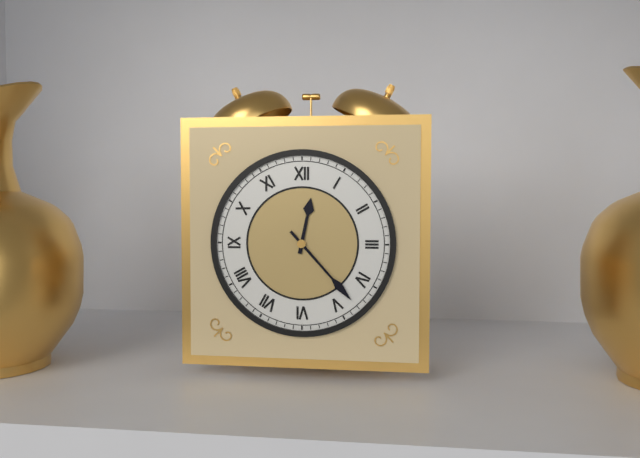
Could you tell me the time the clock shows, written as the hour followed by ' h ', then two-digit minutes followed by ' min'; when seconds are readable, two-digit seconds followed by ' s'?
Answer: 12 h 23 min
